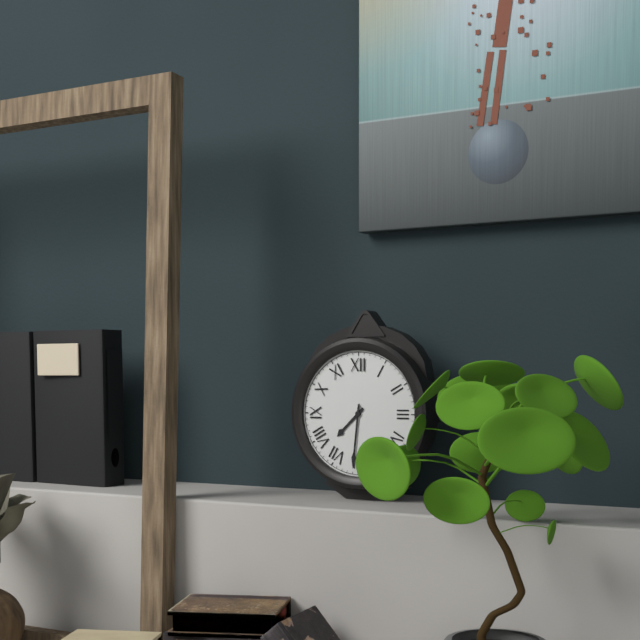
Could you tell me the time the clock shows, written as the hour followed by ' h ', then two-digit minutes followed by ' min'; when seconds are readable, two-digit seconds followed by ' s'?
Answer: 7 h 31 min
